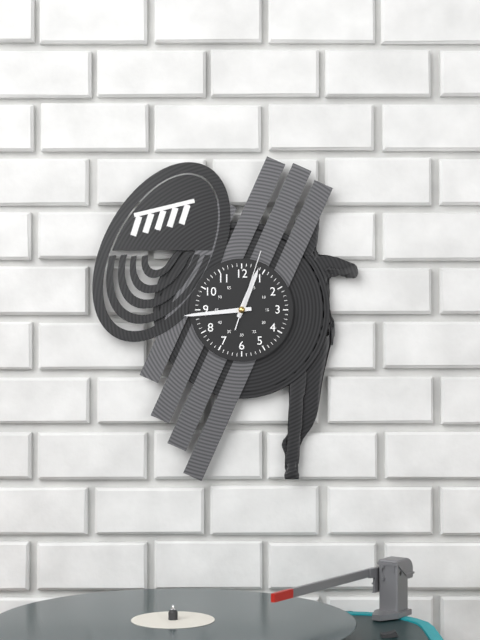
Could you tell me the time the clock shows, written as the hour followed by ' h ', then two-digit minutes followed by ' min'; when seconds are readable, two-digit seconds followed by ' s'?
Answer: 12 h 44 min 03 s
